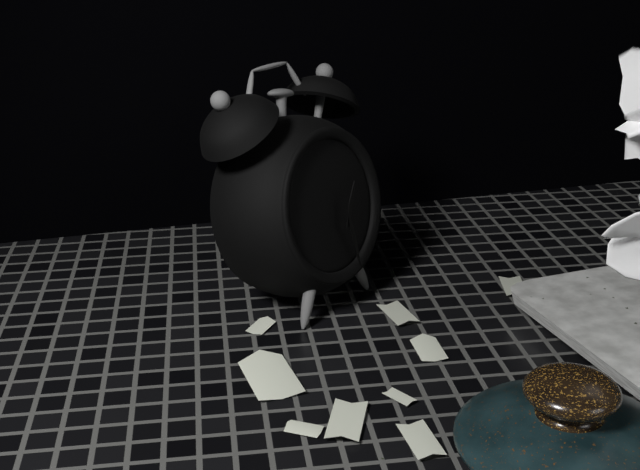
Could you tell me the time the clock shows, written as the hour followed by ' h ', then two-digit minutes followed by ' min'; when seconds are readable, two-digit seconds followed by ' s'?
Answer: 12 h 27 min
